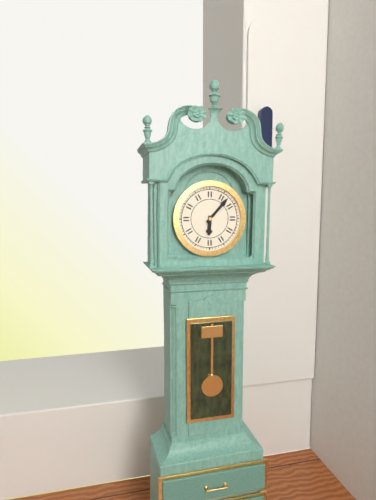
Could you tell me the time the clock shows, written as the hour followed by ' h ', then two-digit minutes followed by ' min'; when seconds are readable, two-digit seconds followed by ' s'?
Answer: 6 h 07 min
